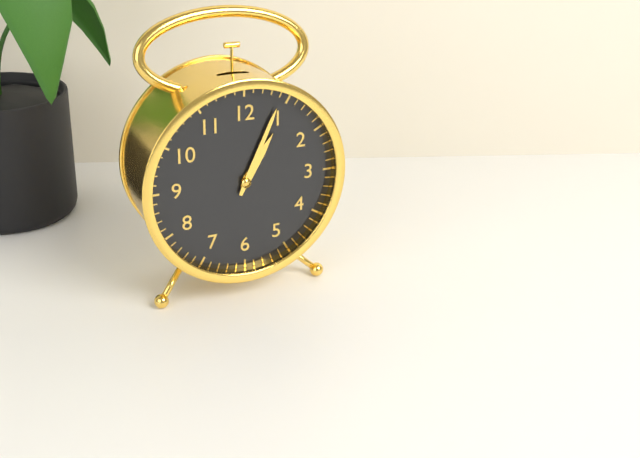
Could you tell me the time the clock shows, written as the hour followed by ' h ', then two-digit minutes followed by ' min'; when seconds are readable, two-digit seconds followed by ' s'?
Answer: 1 h 04 min
